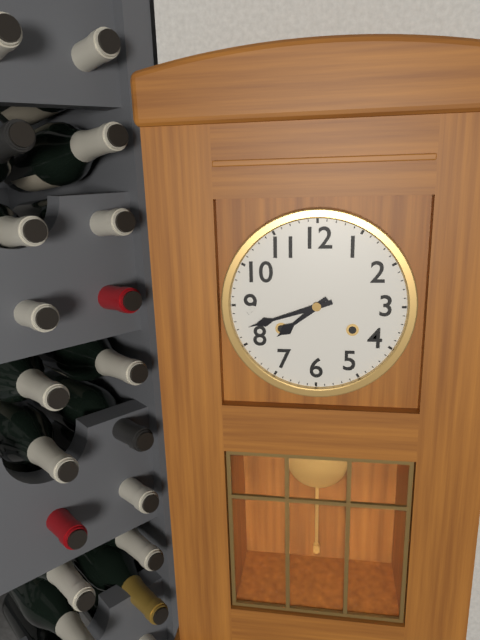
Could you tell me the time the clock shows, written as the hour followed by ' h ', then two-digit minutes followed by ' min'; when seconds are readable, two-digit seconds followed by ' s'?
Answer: 7 h 42 min
